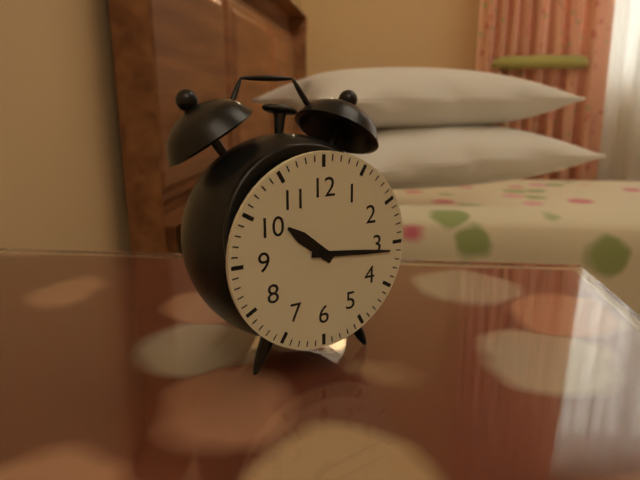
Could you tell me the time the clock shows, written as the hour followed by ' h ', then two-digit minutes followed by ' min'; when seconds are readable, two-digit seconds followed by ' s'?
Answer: 10 h 16 min
